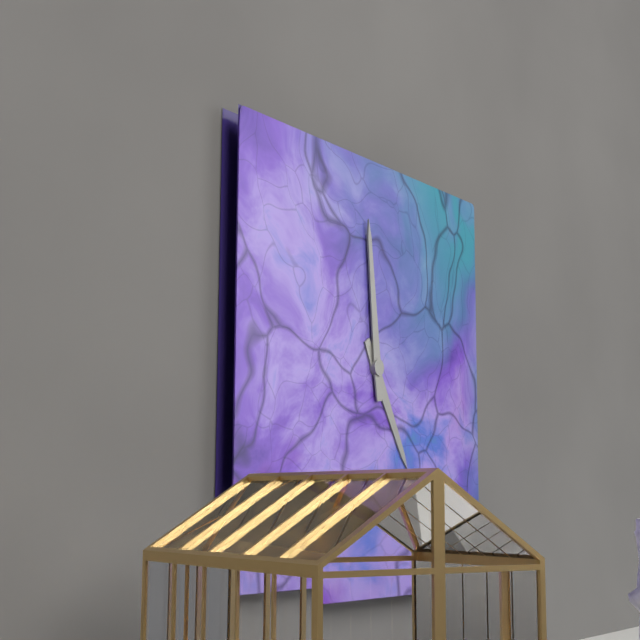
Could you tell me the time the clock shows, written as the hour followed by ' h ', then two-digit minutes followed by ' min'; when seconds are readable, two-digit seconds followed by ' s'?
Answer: 4 h 59 min
